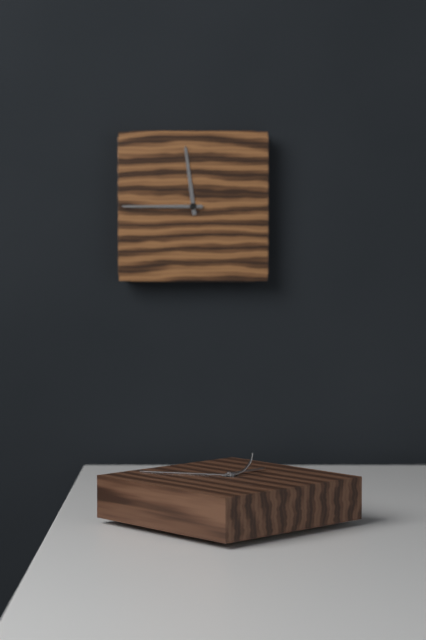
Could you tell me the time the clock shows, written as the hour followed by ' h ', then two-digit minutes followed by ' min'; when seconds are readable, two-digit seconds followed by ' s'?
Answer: 11 h 45 min 45 s
